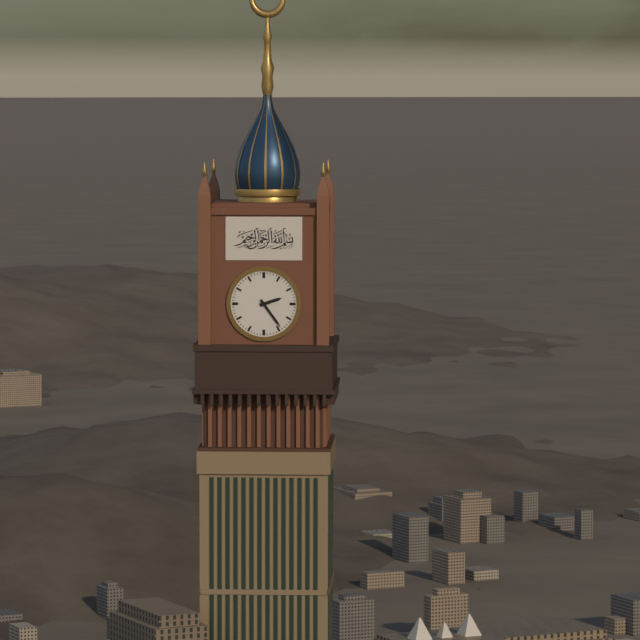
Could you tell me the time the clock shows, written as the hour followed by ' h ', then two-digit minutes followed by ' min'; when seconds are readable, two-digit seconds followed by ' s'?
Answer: 2 h 24 min
